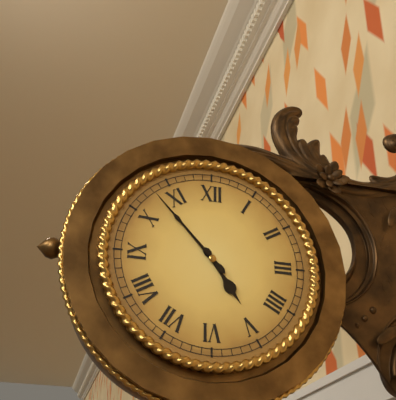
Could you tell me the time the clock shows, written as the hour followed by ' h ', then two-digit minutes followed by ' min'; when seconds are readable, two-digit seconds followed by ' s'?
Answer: 4 h 53 min
